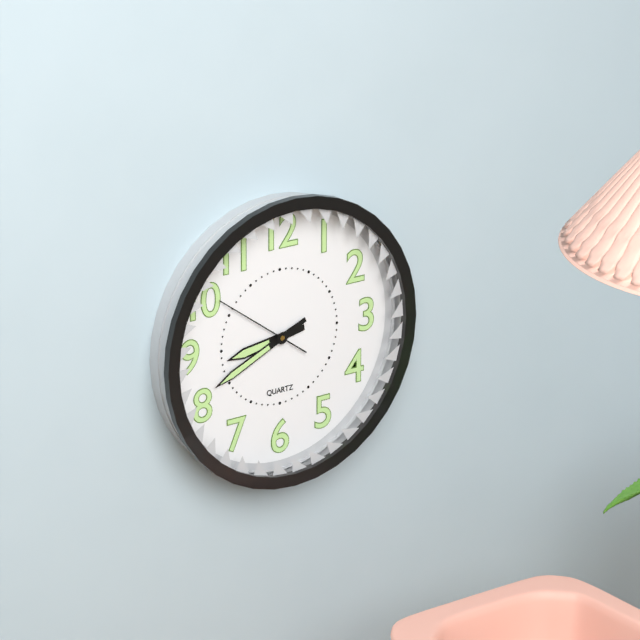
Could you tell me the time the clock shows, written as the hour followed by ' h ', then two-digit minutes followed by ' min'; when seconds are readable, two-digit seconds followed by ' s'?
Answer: 8 h 41 min 51 s
